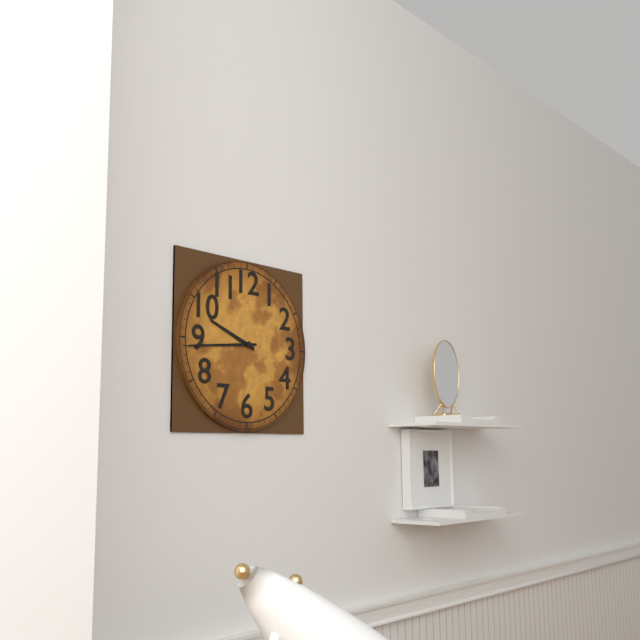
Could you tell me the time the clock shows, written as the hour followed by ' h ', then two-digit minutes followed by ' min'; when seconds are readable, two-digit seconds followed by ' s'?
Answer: 9 h 44 min
